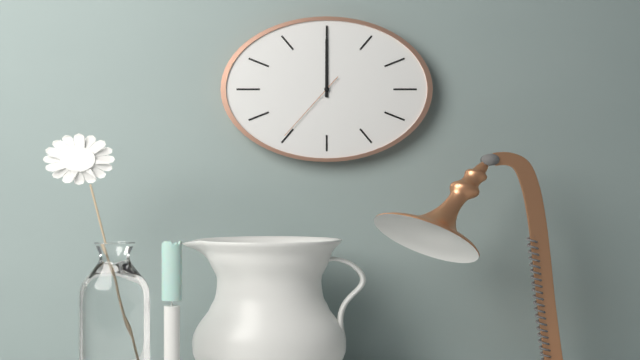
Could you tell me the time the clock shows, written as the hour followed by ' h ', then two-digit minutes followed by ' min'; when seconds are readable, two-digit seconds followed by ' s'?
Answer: 12 h 00 min 37 s
